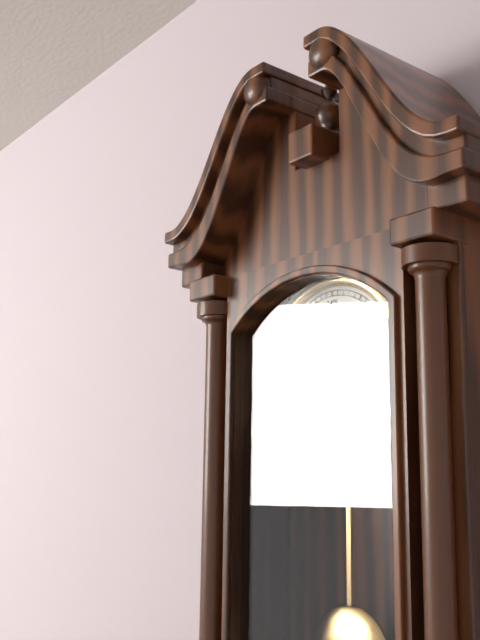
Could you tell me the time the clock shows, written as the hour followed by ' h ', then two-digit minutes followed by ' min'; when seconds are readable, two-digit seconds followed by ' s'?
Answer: 12 h 50 min
